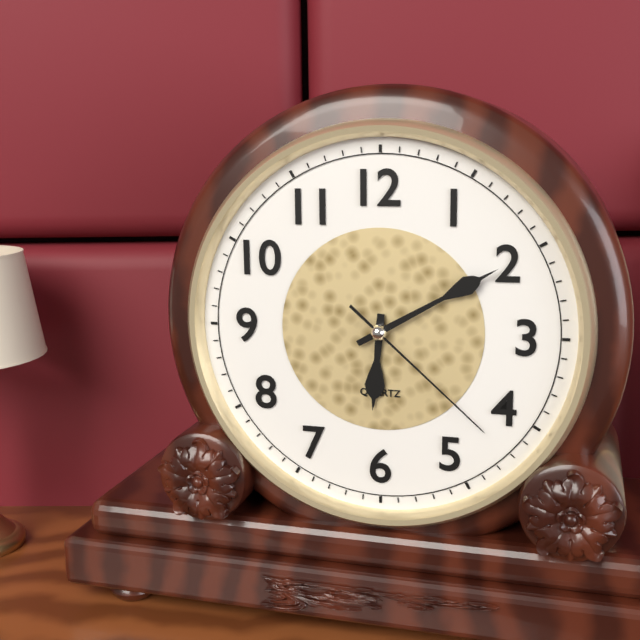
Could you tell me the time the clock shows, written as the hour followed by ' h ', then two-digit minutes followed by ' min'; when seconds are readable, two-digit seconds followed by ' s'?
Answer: 6 h 10 min 22 s
